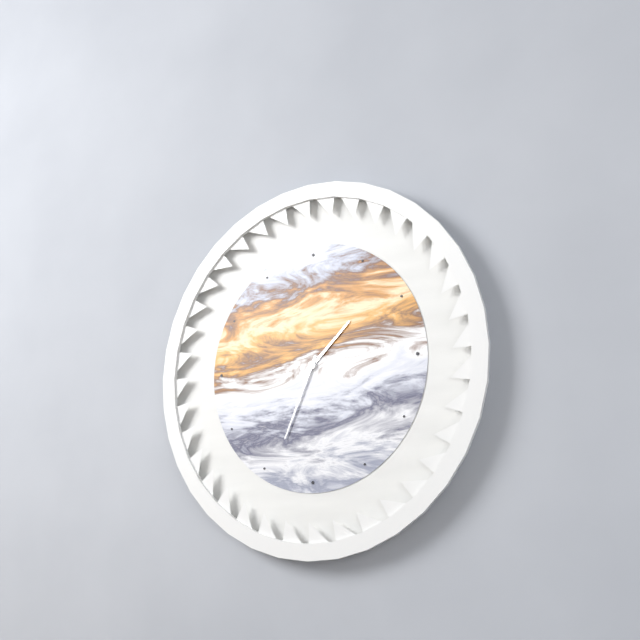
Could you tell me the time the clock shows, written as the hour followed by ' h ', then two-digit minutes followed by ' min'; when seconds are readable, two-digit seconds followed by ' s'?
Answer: 1 h 34 min
